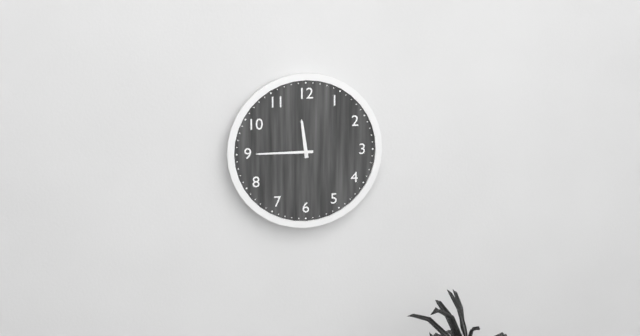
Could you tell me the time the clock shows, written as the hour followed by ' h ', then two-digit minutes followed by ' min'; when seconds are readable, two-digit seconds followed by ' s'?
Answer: 11 h 45 min
